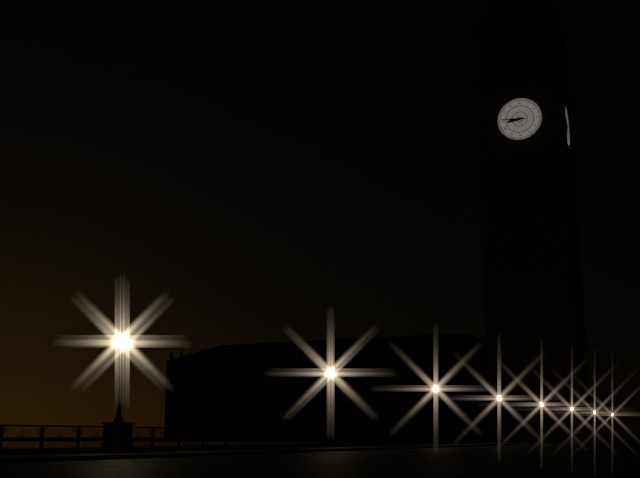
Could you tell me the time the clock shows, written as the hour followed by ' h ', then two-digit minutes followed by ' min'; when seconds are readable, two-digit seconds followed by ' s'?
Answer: 8 h 46 min
